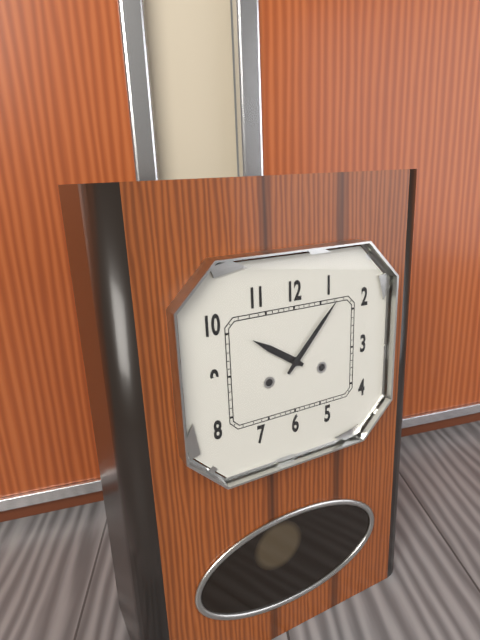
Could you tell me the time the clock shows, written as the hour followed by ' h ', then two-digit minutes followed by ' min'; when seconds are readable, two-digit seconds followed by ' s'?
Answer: 10 h 07 min
